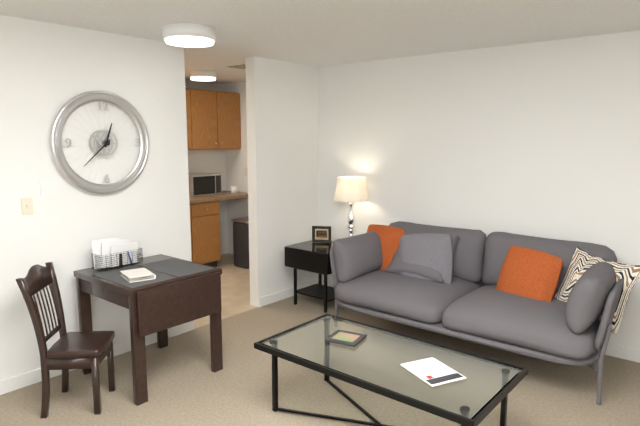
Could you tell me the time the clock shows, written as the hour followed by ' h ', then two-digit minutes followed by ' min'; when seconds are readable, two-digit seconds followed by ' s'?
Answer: 12 h 38 min
